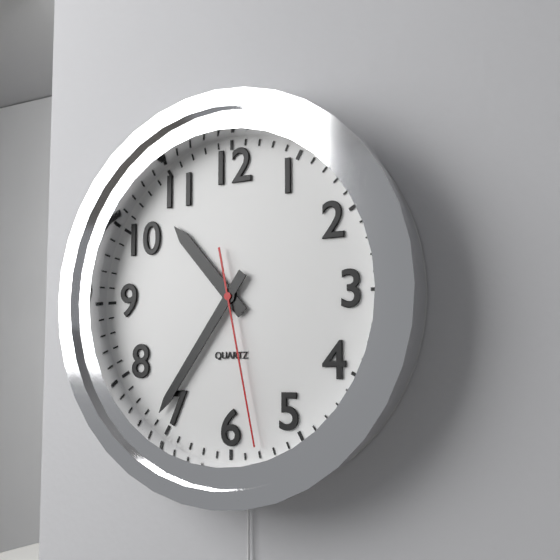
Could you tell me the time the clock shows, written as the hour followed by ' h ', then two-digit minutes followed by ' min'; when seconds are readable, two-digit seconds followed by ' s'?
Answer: 10 h 36 min 28 s
